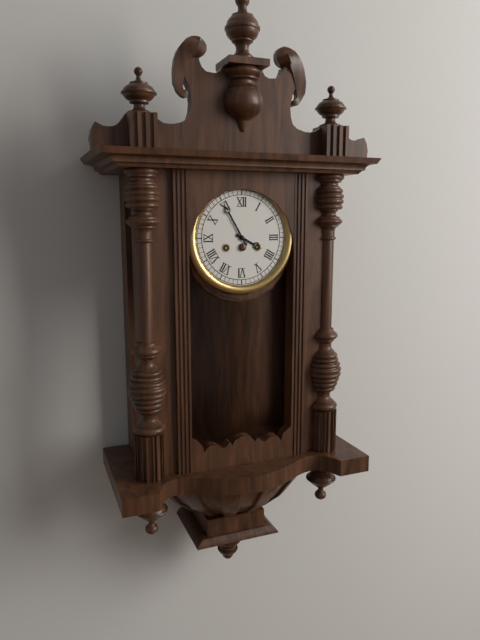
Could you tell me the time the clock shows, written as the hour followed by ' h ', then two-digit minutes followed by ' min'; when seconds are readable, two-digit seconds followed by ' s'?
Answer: 3 h 55 min
